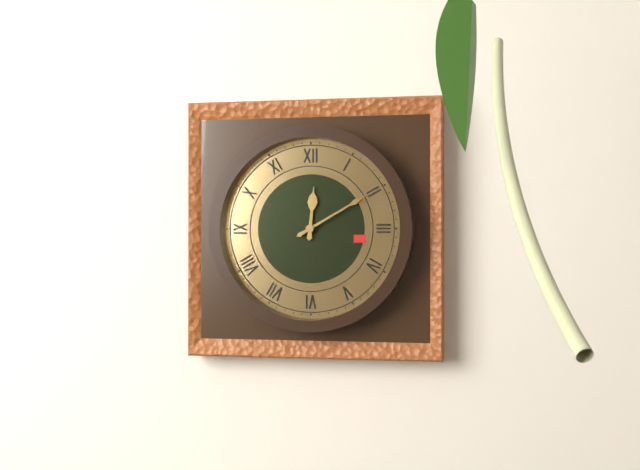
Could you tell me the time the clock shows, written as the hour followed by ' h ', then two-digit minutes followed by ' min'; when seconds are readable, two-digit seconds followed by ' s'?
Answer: 12 h 10 min
